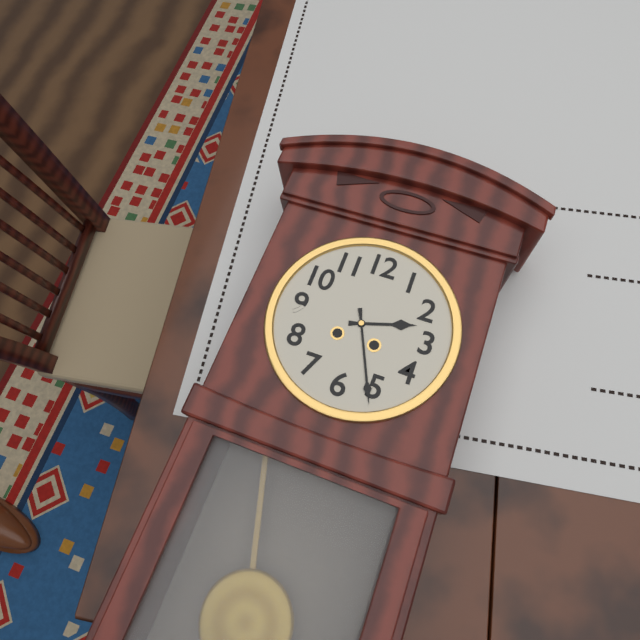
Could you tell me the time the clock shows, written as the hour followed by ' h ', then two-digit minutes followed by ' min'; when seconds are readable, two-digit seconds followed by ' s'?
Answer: 2 h 26 min
